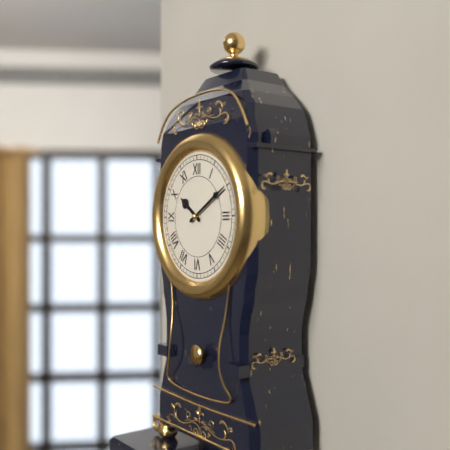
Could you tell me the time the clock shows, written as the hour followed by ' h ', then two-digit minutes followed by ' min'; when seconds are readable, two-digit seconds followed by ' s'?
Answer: 10 h 10 min
